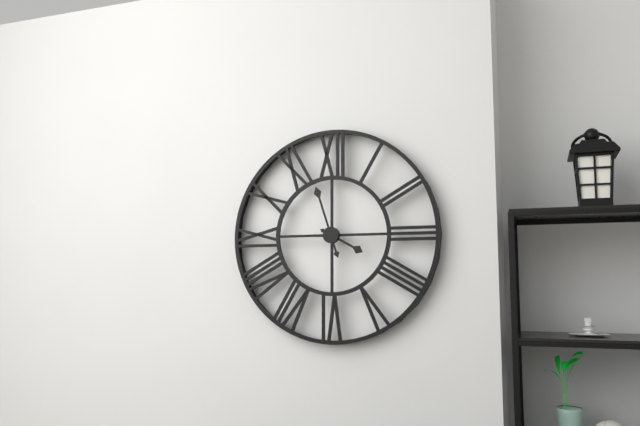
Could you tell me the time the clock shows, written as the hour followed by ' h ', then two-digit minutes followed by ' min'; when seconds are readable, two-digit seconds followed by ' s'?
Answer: 3 h 57 min
